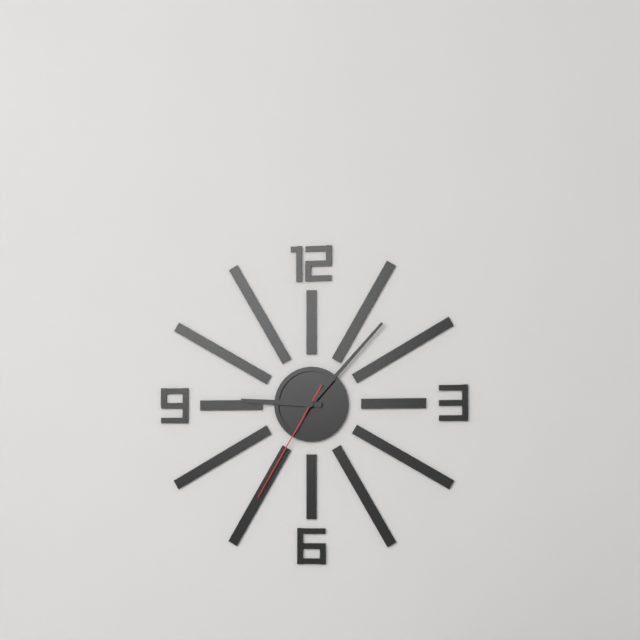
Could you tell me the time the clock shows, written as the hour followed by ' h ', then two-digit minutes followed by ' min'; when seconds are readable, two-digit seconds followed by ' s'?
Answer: 9 h 07 min 35 s
